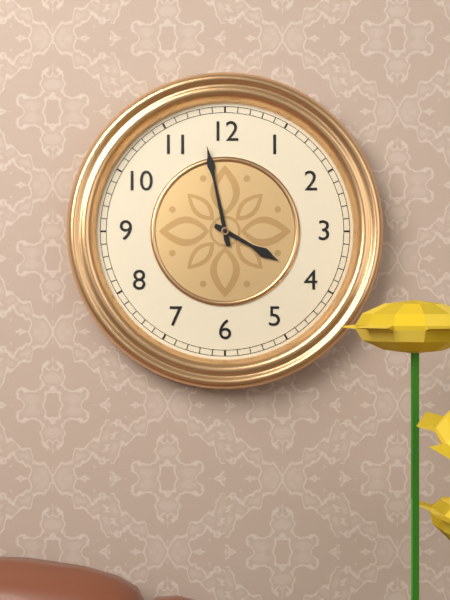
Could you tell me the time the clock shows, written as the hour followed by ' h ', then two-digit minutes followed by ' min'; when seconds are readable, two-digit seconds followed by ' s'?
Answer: 3 h 58 min
